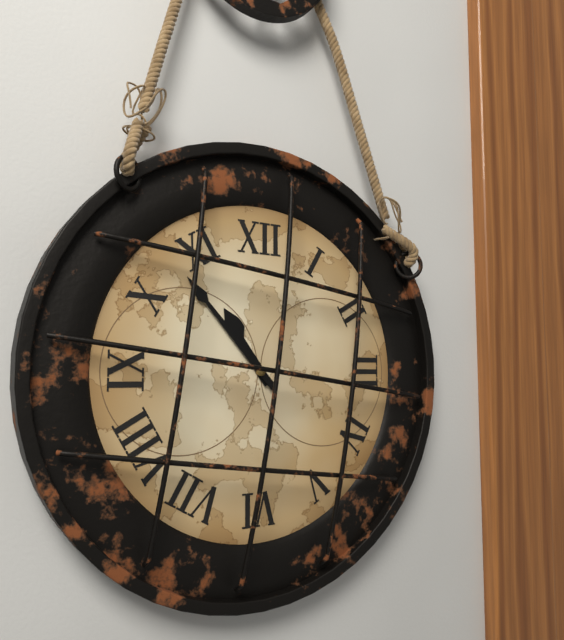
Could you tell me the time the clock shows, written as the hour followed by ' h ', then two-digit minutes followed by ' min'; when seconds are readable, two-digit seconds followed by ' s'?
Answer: 10 h 53 min
